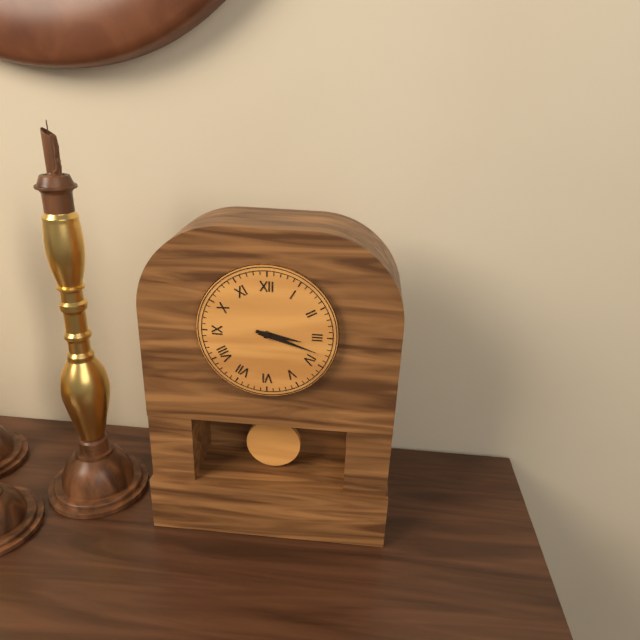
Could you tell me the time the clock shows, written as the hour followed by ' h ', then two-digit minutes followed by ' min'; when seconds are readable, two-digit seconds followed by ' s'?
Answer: 3 h 18 min
